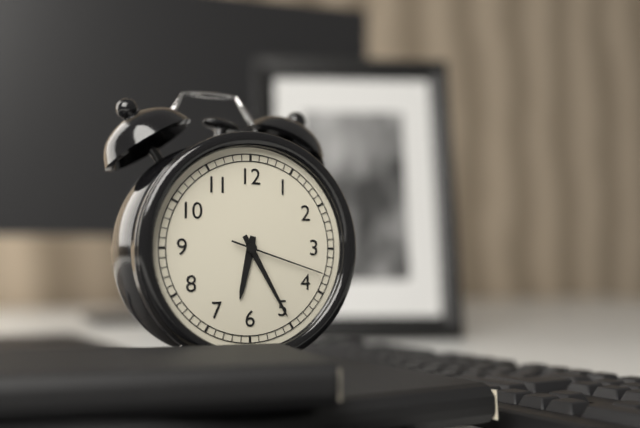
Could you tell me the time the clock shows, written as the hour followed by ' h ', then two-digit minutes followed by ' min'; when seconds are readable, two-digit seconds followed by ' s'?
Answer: 6 h 25 min 18 s
